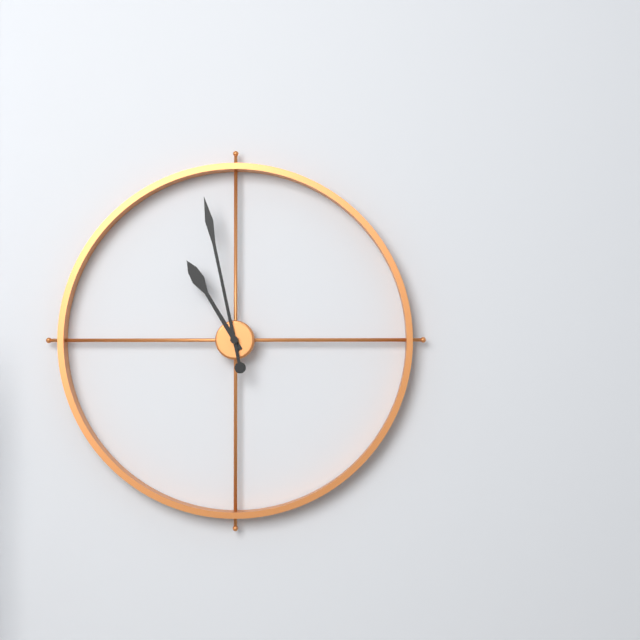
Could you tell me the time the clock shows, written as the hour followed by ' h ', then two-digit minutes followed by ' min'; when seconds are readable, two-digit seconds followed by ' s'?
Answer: 10 h 58 min
